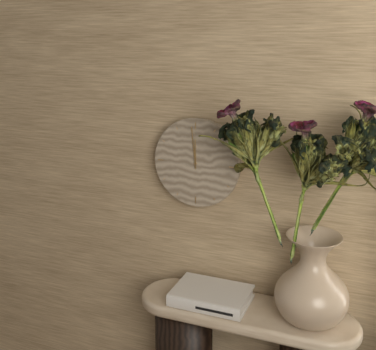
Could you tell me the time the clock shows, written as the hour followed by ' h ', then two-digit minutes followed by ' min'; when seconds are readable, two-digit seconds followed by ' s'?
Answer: 11 h 59 min
